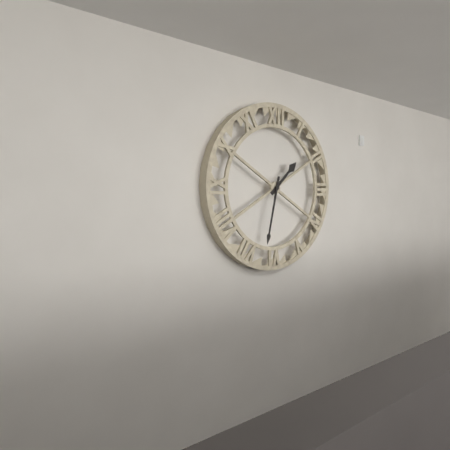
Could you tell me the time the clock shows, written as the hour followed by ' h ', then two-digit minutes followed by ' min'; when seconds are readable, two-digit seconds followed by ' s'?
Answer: 1 h 32 min
